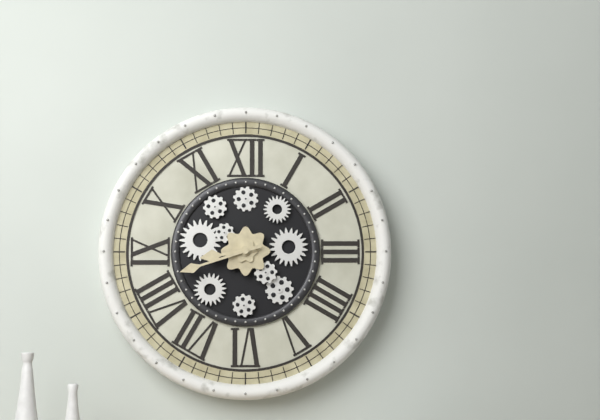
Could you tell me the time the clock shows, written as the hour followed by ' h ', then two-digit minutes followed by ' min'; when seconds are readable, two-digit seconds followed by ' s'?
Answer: 8 h 42 min
